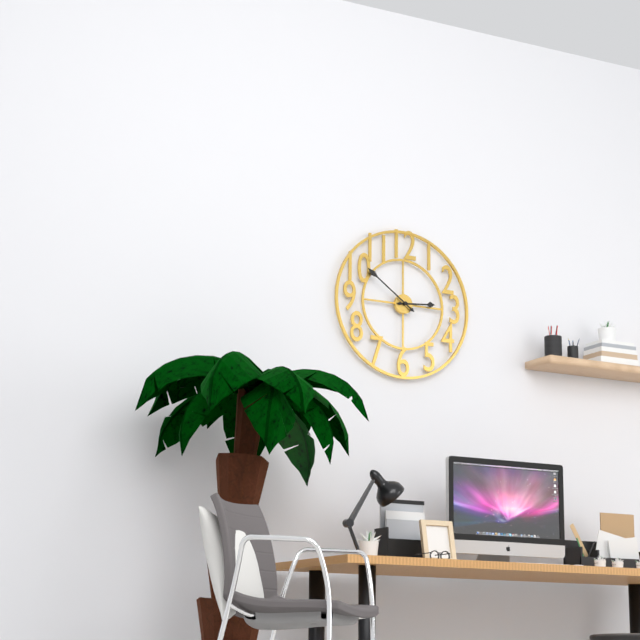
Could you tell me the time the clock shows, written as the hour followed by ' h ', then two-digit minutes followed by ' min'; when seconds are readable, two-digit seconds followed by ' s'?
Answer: 2 h 51 min
